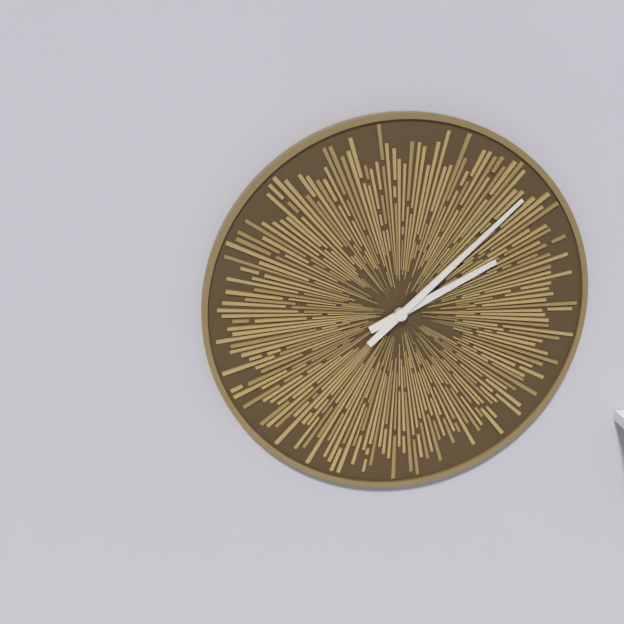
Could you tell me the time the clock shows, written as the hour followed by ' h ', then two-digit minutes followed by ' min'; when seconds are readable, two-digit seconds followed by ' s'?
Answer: 2 h 08 min
